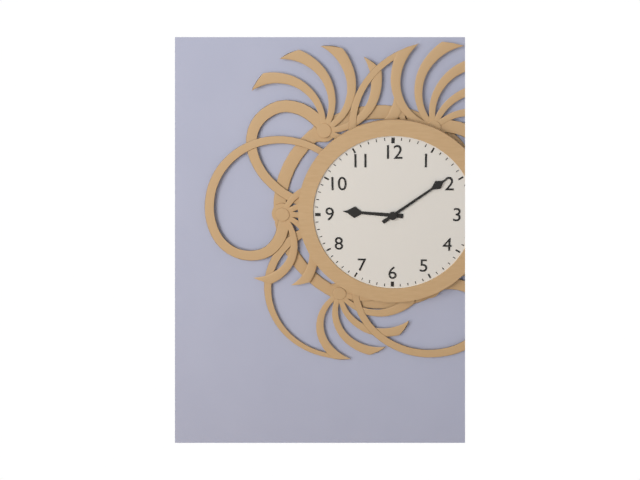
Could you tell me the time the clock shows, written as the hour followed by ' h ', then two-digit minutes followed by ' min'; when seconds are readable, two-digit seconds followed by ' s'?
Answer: 9 h 09 min
